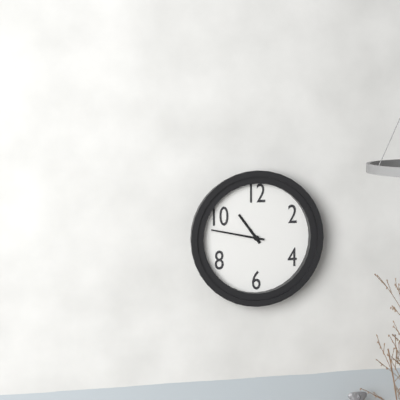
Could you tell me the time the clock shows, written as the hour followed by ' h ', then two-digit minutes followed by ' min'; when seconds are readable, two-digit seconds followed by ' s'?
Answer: 10 h 47 min
